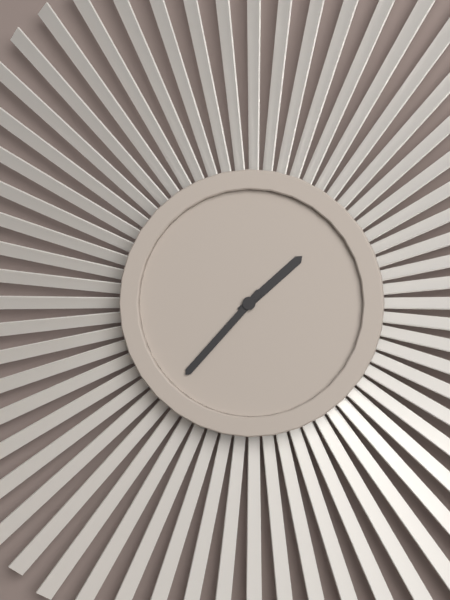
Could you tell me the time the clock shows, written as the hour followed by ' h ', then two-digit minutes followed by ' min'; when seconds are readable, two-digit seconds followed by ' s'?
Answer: 1 h 37 min
